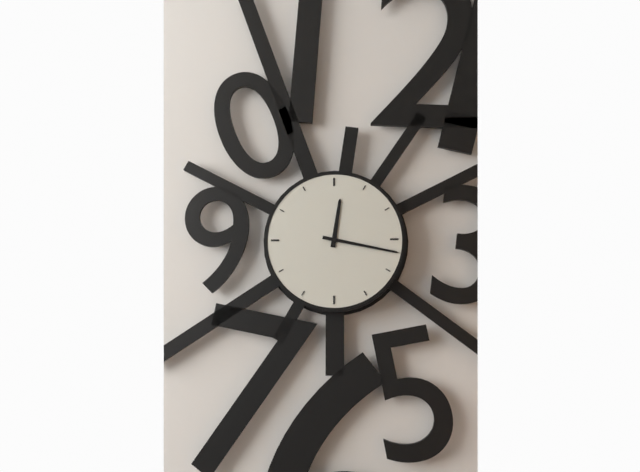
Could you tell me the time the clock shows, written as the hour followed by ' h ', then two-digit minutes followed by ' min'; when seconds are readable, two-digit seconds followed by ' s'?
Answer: 12 h 17 min
